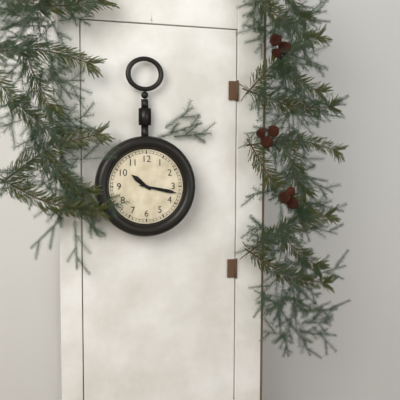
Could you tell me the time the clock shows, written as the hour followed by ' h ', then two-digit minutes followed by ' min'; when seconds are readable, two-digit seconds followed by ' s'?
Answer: 10 h 17 min
